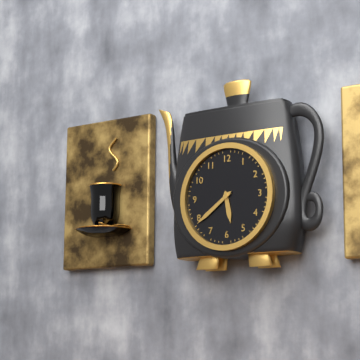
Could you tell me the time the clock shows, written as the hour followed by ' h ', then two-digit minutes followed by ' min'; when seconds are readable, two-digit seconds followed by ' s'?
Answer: 5 h 39 min
